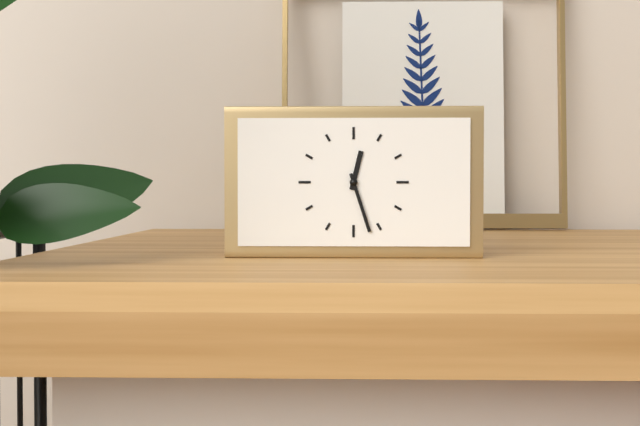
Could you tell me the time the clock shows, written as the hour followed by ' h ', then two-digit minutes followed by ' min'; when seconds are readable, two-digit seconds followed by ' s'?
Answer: 12 h 27 min
